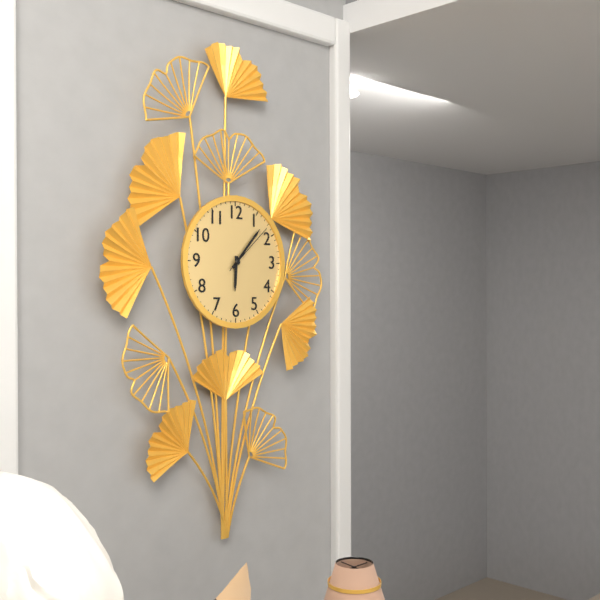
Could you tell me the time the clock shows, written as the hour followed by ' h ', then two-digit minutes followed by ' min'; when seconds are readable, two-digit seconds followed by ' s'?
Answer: 6 h 07 min 08 s
